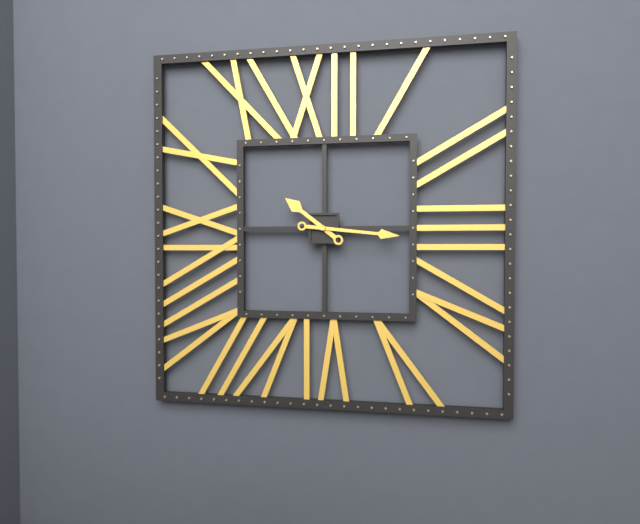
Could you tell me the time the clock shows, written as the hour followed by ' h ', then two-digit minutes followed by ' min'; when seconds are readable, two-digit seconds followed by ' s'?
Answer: 10 h 16 min
